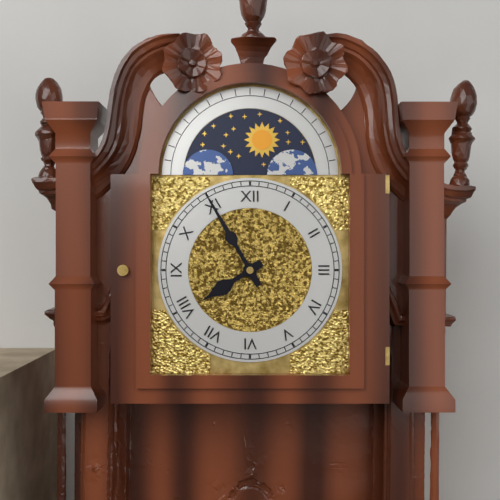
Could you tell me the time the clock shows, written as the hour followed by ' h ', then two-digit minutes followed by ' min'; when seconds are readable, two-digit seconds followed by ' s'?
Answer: 7 h 55 min
